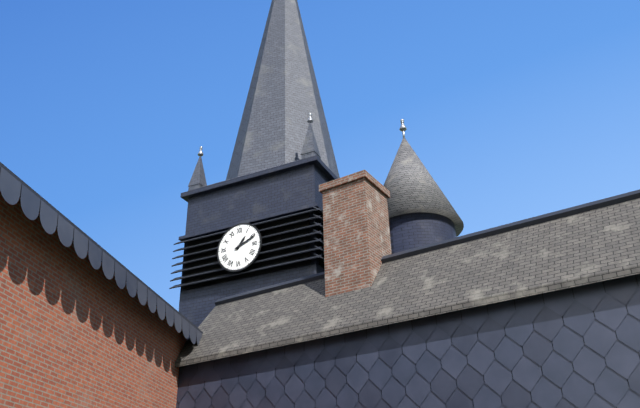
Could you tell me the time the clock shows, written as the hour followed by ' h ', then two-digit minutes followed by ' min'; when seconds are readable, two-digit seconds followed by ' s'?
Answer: 1 h 11 min
